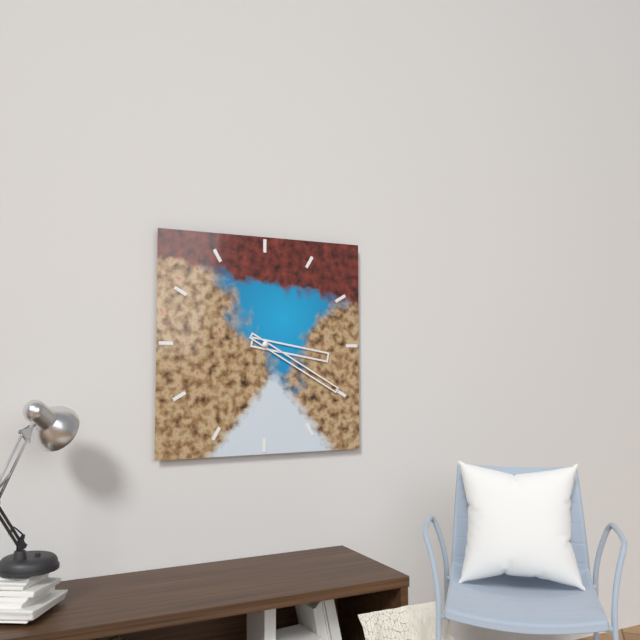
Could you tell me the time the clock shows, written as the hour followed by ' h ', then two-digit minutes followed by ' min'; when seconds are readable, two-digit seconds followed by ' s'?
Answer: 3 h 20 min
